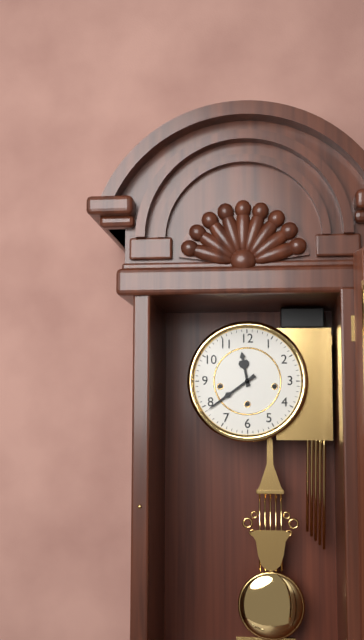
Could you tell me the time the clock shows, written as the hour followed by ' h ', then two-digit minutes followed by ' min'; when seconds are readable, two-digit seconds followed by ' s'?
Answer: 11 h 39 min
